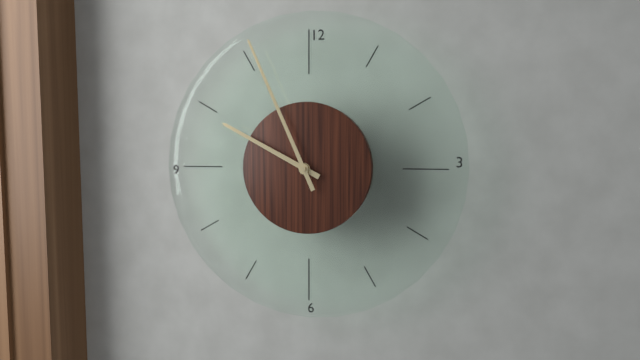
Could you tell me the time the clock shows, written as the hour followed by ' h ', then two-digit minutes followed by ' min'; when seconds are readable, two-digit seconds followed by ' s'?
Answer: 9 h 56 min
